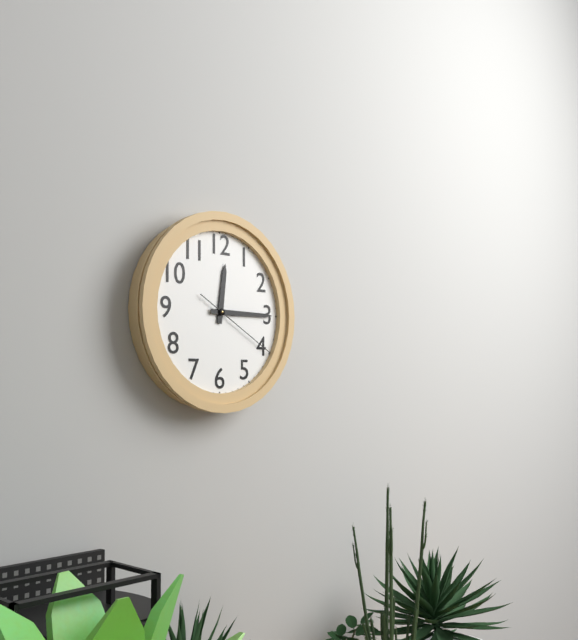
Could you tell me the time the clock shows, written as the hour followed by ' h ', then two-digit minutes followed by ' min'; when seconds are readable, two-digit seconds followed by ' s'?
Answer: 12 h 15 min 20 s
